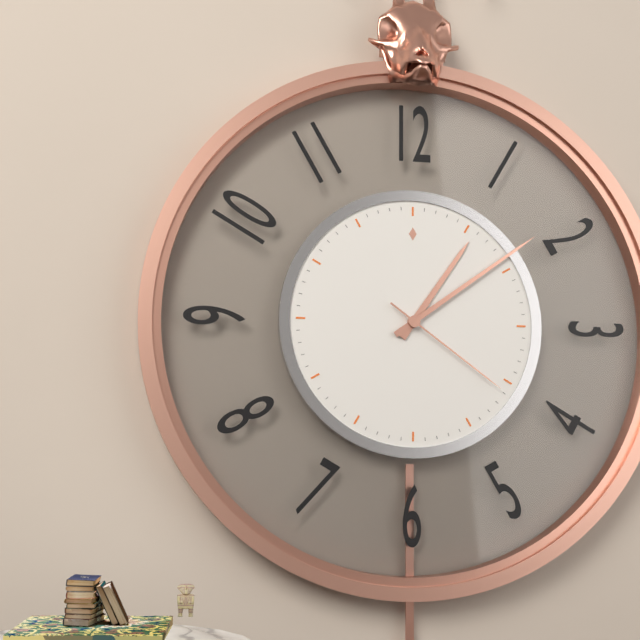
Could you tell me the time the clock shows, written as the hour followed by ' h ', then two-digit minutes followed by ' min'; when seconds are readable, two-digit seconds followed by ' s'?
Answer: 1 h 09 min 21 s
